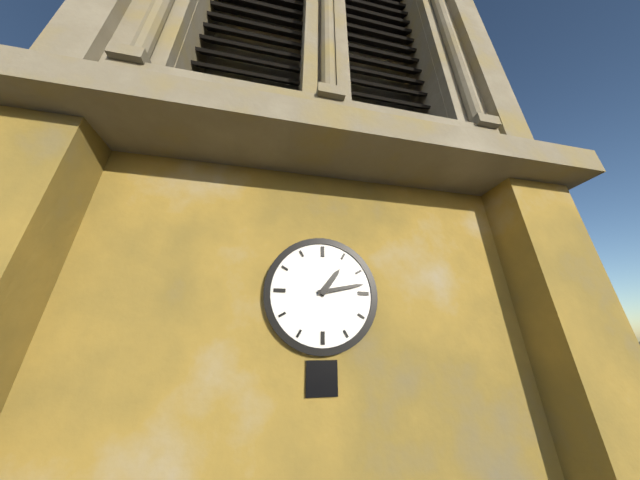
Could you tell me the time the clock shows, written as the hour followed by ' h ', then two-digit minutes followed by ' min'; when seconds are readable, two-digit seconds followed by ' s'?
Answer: 1 h 13 min
